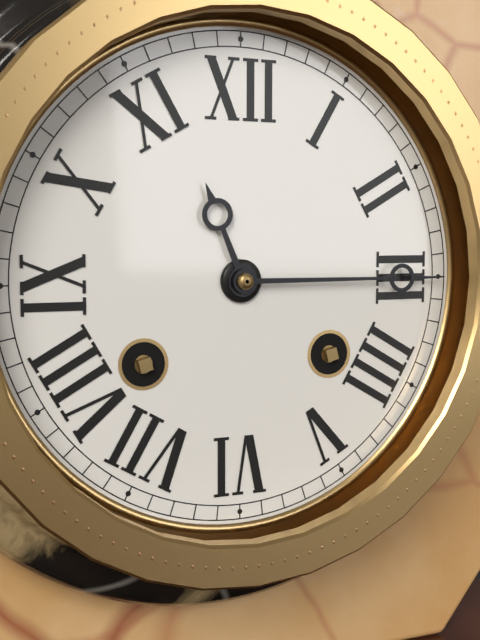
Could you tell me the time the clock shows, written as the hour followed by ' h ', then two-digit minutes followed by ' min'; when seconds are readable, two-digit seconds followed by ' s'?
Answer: 11 h 15 min
